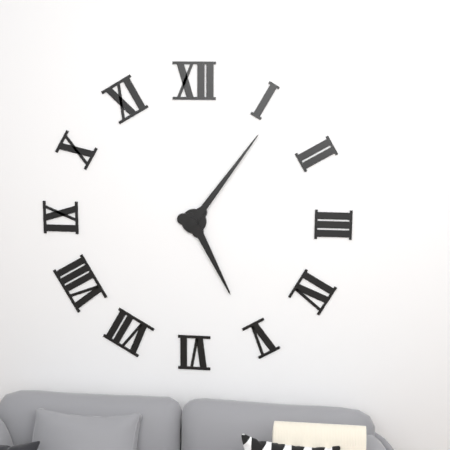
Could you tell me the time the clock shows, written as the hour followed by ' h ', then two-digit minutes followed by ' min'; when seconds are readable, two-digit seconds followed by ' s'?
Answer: 5 h 06 min
